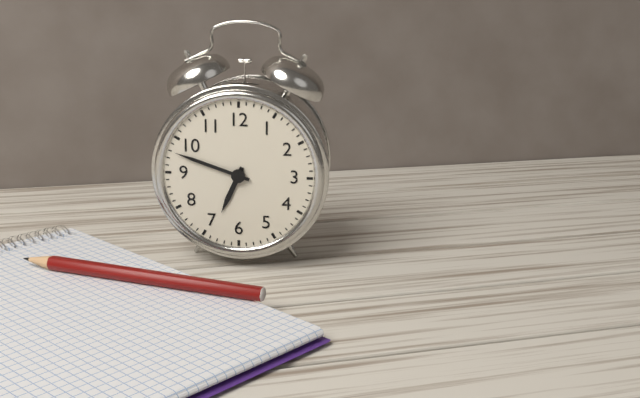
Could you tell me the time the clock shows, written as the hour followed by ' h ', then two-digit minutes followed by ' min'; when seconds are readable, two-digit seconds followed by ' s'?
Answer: 6 h 48 min
